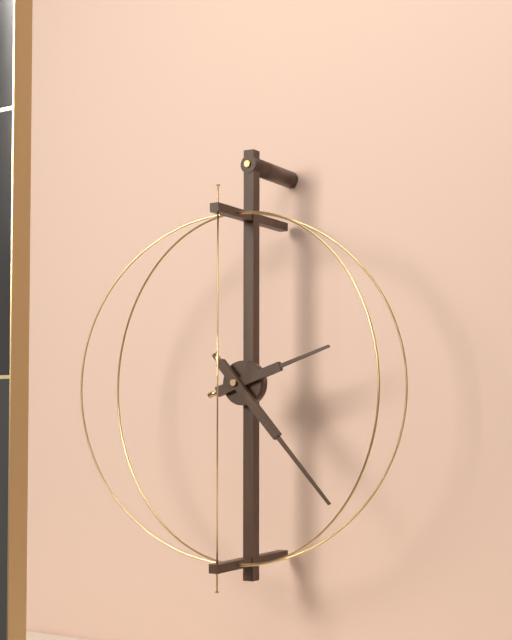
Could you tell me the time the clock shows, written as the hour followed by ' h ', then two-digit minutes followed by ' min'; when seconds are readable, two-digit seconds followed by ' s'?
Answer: 2 h 23 min
